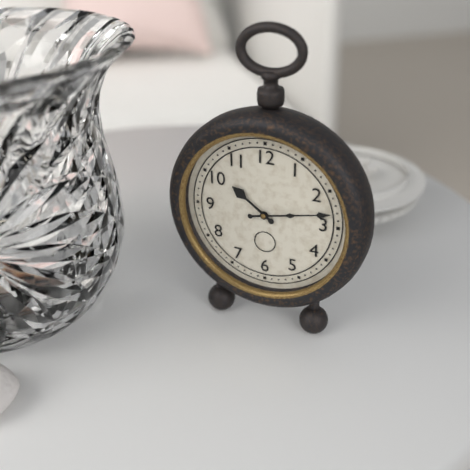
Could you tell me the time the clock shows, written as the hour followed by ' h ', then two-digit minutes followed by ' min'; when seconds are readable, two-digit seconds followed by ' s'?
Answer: 10 h 13 min
